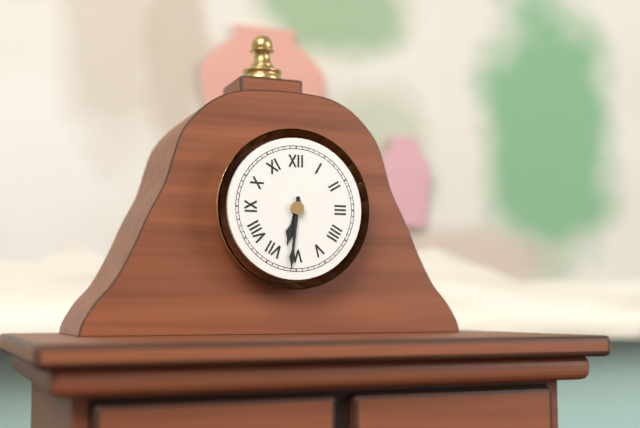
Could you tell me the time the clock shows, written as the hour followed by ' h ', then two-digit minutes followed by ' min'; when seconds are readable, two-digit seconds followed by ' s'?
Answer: 6 h 31 min
